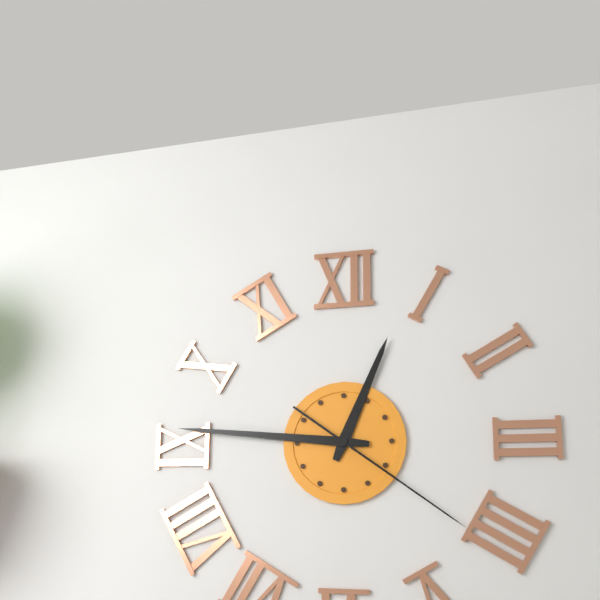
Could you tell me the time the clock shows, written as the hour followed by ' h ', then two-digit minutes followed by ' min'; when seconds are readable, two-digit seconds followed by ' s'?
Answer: 12 h 46 min 21 s
